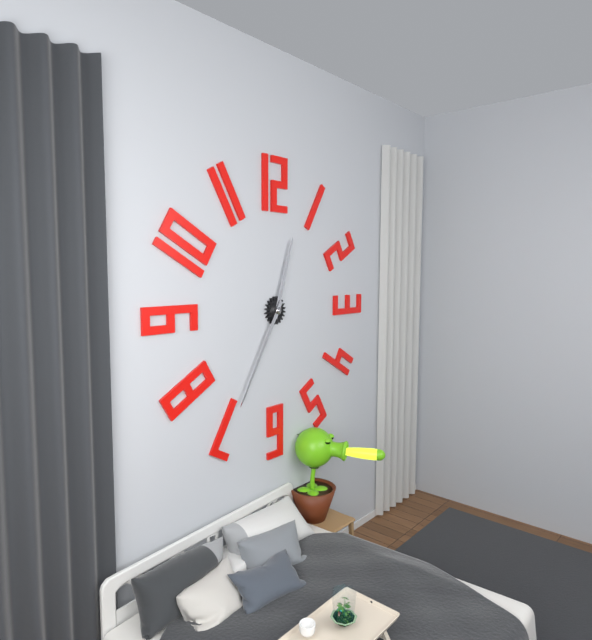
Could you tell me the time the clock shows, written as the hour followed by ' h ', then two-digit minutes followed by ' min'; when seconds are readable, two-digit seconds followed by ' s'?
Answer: 12 h 35 min
